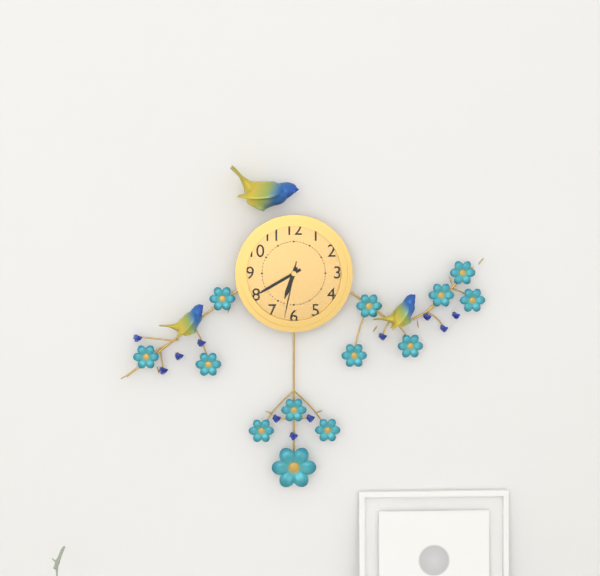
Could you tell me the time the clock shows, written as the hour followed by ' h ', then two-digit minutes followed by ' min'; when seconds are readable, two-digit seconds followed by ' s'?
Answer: 6 h 40 min 32 s
